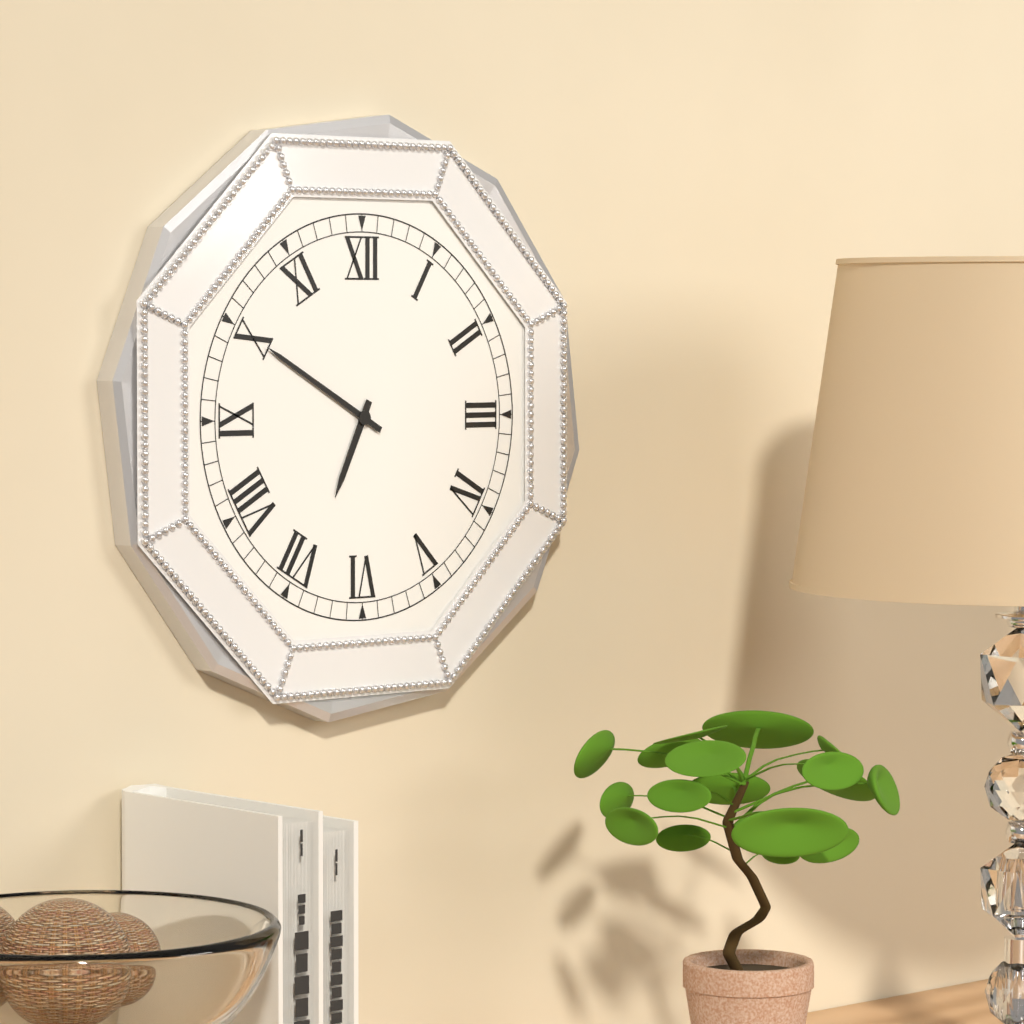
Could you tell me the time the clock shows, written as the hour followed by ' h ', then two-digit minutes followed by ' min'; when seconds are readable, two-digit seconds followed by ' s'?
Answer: 6 h 50 min
